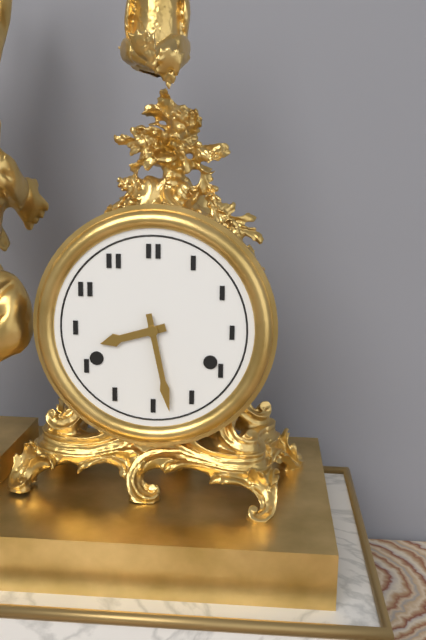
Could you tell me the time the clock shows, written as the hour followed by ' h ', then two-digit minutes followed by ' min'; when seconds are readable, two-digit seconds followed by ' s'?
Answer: 8 h 28 min
